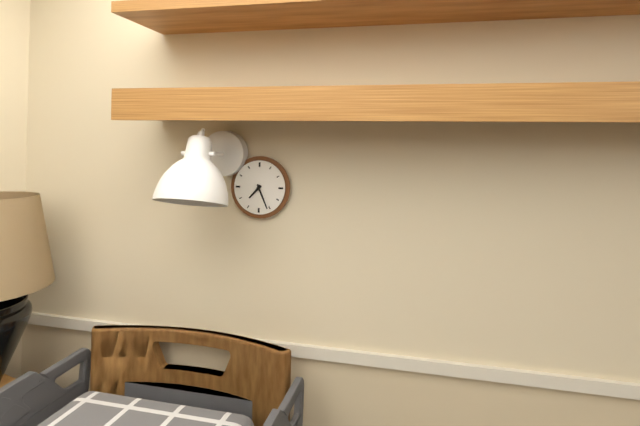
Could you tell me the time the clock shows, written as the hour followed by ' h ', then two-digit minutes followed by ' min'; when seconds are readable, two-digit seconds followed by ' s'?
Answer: 7 h 26 min
